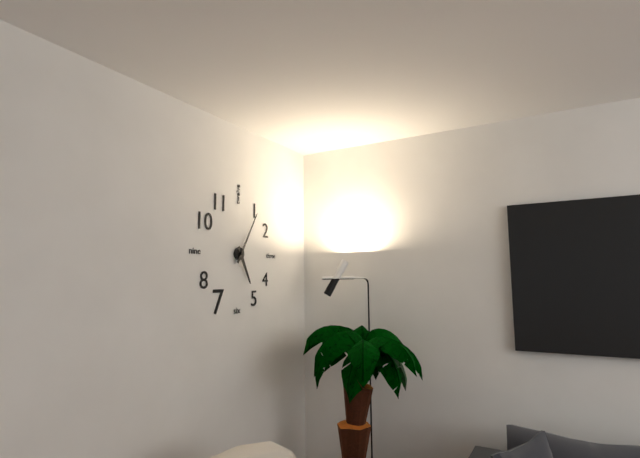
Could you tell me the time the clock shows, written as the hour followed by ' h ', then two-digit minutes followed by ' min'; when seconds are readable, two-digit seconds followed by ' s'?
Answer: 5 h 05 min
